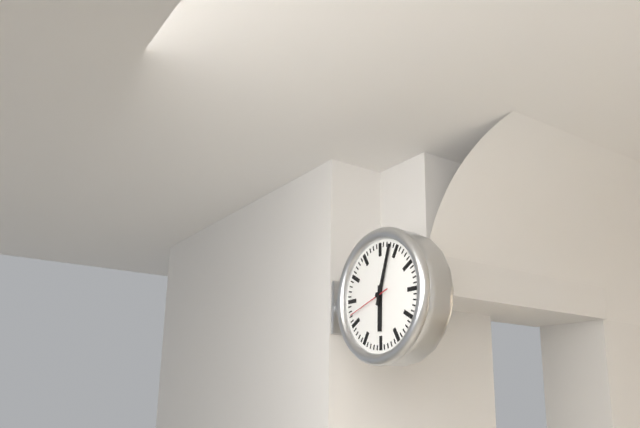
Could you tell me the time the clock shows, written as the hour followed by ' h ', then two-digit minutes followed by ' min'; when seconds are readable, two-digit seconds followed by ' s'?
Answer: 6 h 03 min
